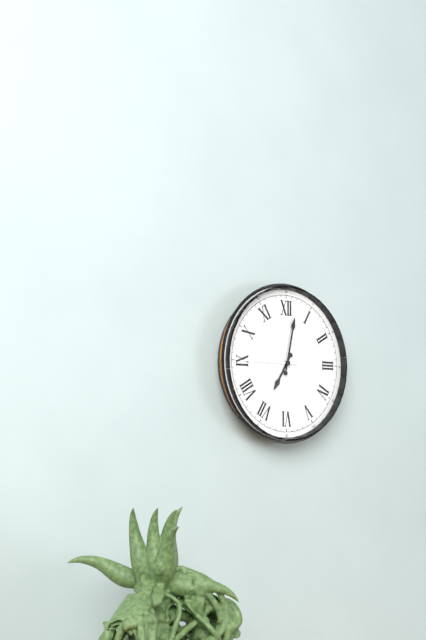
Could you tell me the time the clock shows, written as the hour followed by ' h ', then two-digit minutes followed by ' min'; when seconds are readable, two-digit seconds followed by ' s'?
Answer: 7 h 02 min 45 s
